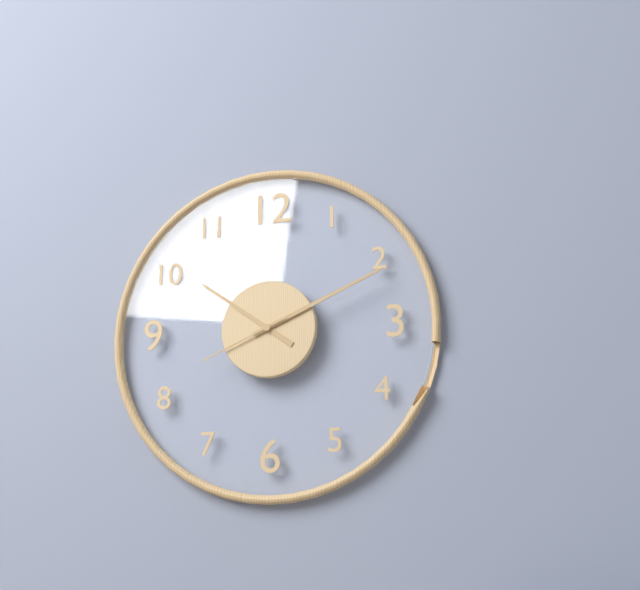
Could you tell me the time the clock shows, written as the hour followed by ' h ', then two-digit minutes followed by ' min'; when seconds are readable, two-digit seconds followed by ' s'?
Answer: 10 h 11 min 41 s
